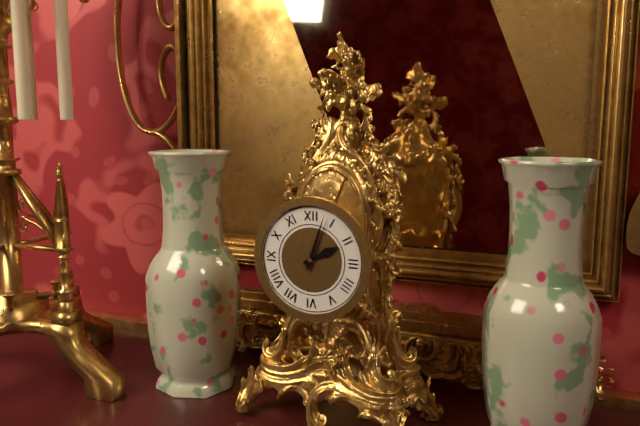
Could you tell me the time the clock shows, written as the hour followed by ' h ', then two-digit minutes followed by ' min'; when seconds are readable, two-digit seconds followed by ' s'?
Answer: 2 h 03 min
